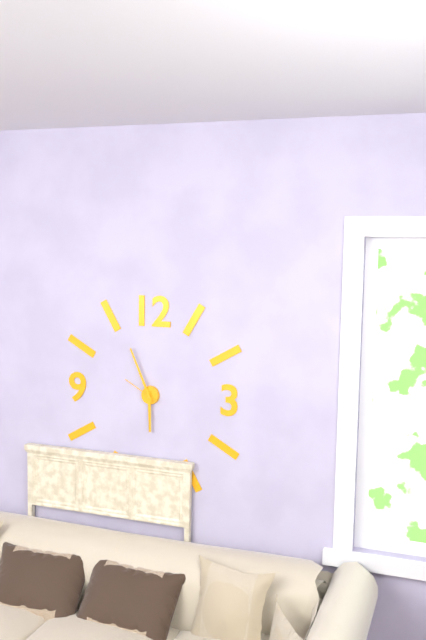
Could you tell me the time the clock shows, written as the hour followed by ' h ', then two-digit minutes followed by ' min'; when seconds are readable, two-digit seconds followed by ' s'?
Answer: 5 h 56 min
